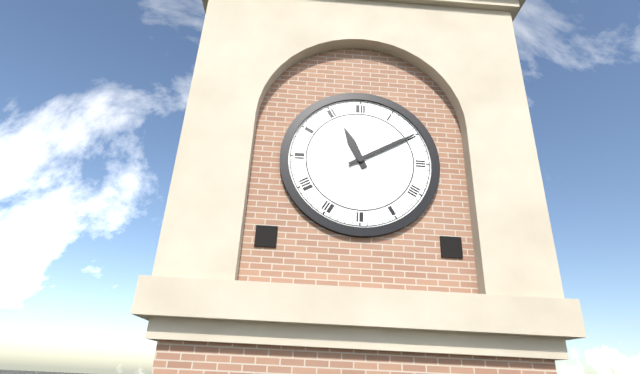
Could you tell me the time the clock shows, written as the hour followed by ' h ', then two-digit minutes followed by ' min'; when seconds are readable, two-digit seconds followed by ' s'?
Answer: 11 h 10 min
